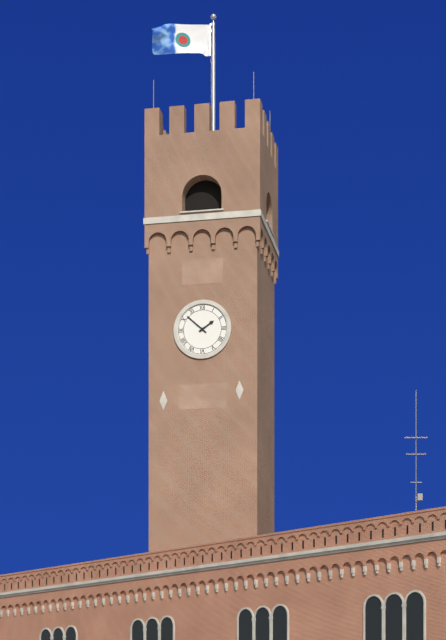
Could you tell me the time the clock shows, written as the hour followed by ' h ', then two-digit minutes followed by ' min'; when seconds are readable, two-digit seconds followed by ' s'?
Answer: 1 h 52 min
